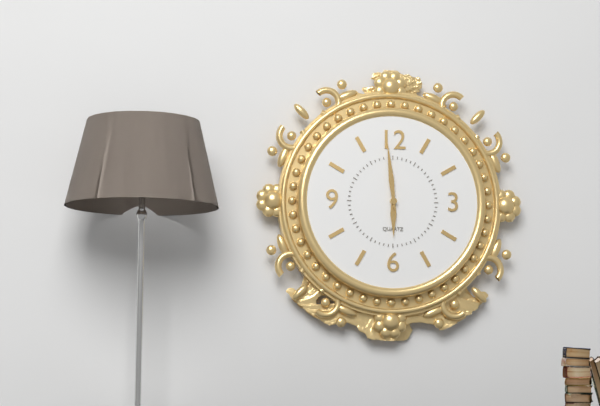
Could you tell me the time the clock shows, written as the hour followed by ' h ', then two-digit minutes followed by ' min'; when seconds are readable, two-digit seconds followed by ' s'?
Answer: 5 h 59 min
